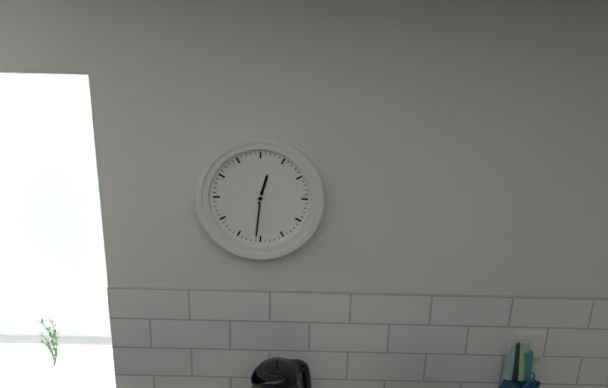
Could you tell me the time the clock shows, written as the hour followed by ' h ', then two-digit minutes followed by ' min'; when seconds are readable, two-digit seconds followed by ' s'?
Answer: 12 h 31 min
